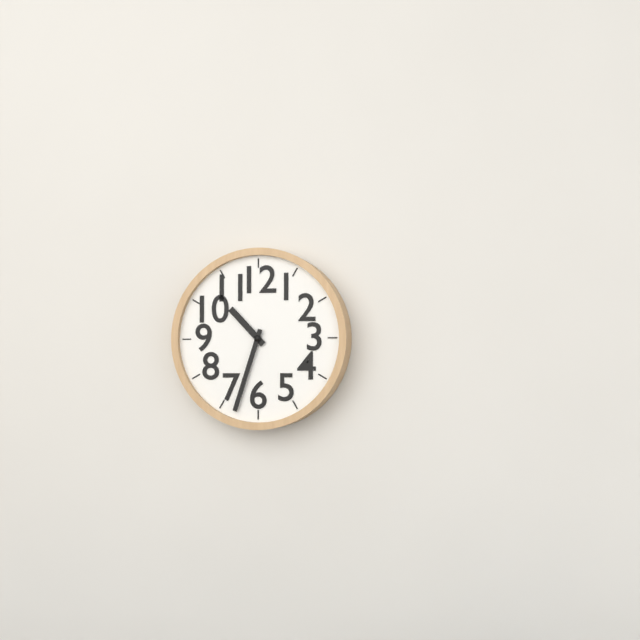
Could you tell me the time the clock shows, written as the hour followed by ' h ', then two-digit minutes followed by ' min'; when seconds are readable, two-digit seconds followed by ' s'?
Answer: 10 h 33 min
